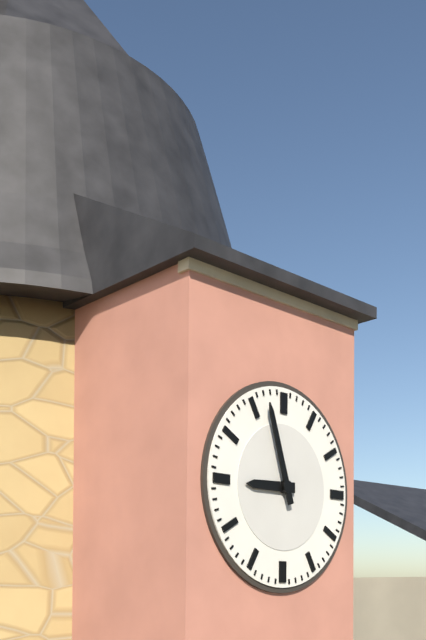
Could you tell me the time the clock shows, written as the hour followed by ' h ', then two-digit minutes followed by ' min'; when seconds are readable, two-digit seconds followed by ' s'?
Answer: 8 h 57 min
